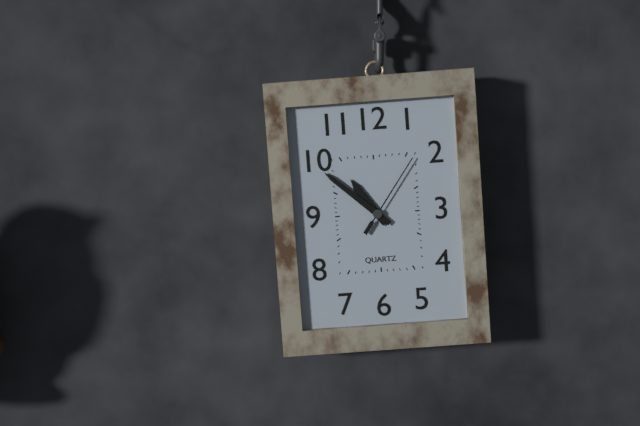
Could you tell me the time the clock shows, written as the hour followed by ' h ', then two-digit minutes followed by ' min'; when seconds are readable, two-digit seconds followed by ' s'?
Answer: 10 h 52 min 06 s
